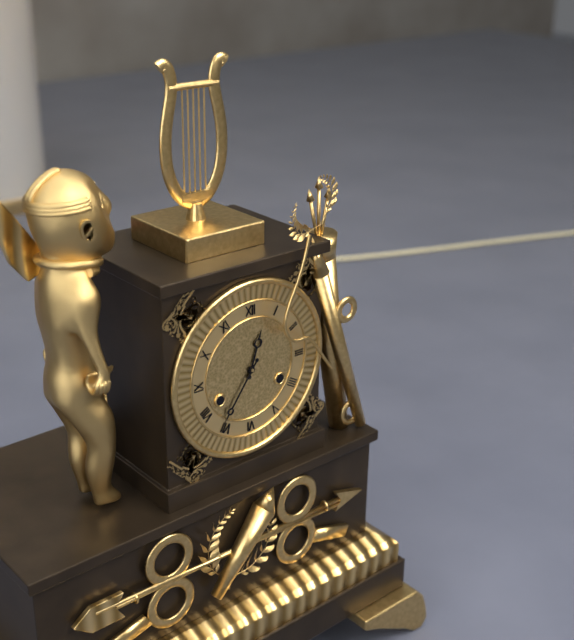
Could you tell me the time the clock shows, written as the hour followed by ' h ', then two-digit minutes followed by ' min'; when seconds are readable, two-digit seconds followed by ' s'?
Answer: 12 h 36 min
